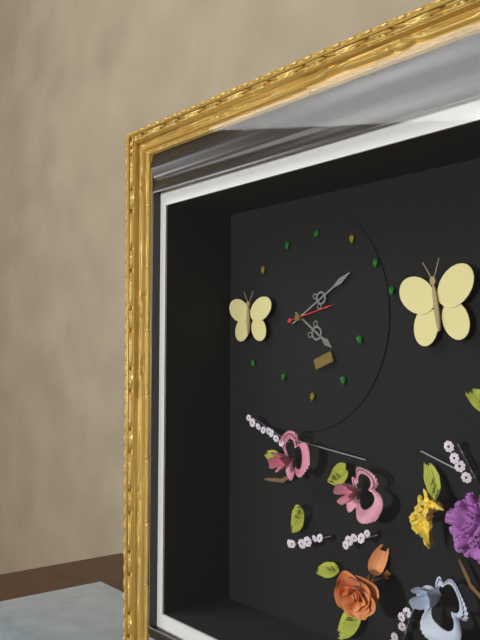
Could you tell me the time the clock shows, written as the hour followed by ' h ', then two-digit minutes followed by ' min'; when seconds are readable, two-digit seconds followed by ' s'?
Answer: 4 h 10 min
